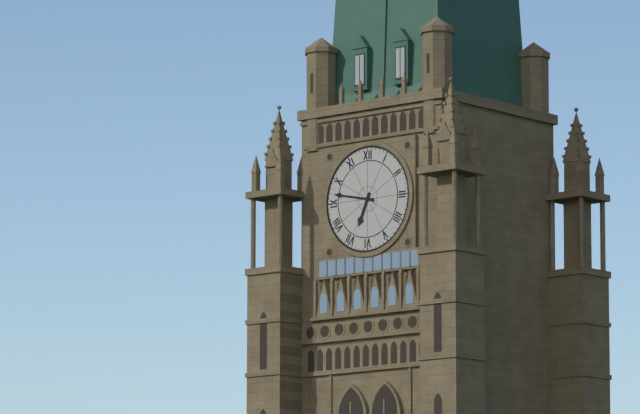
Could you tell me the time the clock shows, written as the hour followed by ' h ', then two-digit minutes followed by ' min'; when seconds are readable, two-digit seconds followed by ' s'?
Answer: 6 h 47 min
